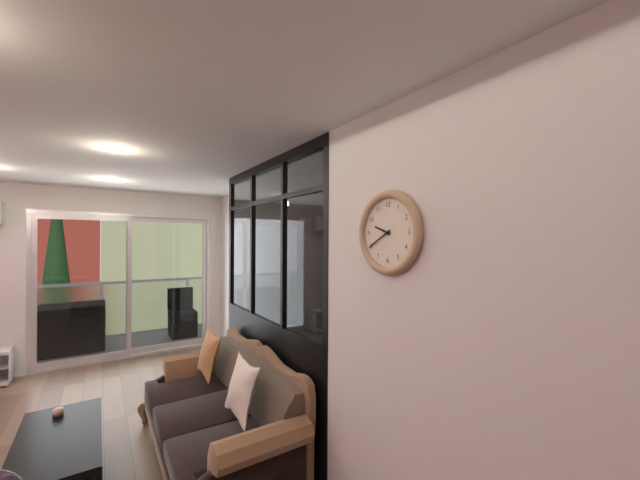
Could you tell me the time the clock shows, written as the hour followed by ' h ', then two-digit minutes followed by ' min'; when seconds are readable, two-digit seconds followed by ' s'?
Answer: 9 h 40 min
